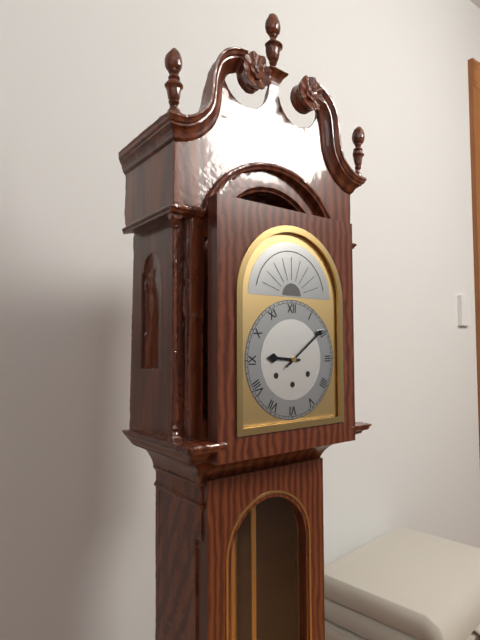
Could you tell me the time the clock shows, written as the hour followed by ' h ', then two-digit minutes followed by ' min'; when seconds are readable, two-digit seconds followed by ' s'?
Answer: 9 h 09 min
